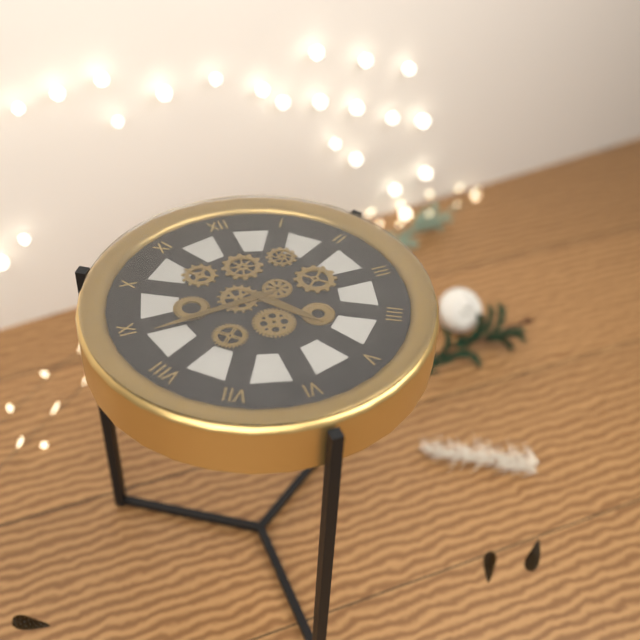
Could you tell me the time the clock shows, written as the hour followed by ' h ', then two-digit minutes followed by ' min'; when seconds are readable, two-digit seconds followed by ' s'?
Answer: 4 h 44 min
